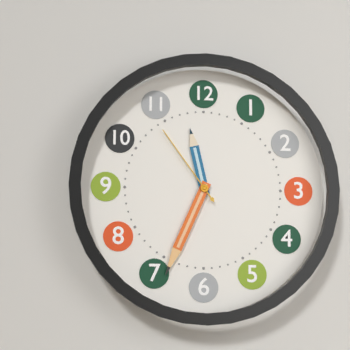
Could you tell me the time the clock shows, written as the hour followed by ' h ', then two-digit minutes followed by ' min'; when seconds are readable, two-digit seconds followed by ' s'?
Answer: 11 h 34 min 54 s
